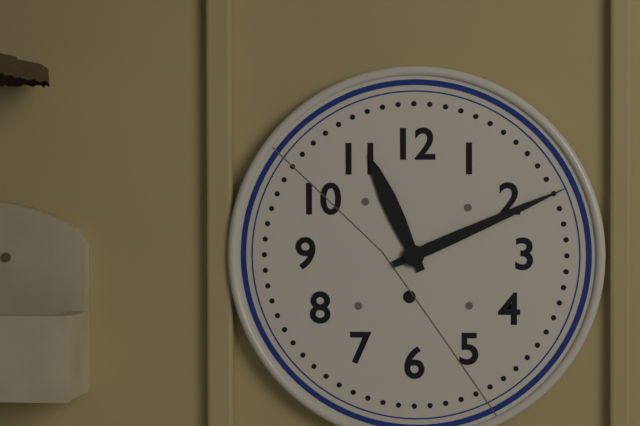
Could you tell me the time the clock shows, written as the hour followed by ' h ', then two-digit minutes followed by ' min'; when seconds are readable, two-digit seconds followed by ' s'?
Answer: 11 h 11 min
